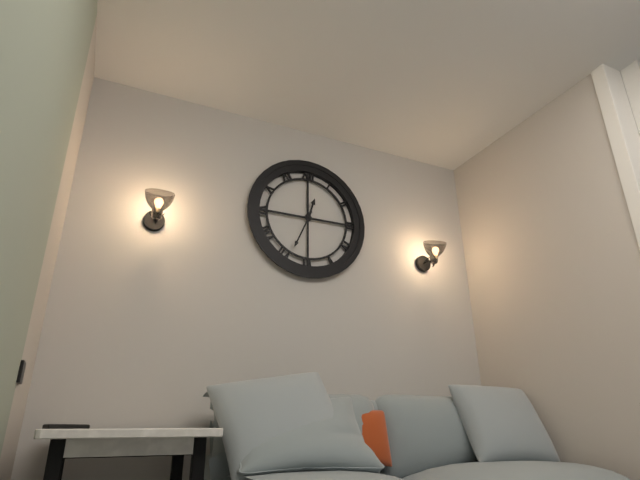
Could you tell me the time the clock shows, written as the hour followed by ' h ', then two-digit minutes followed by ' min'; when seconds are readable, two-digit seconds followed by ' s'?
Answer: 12 h 34 min
